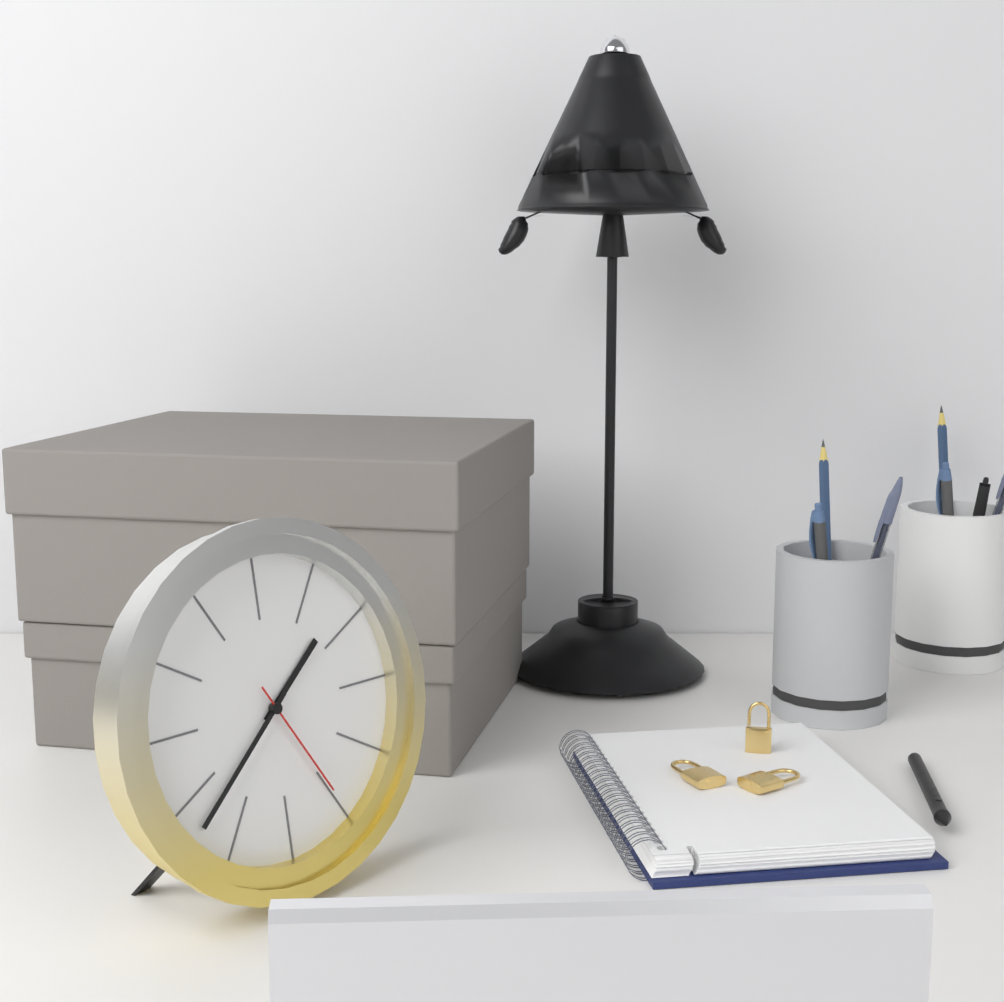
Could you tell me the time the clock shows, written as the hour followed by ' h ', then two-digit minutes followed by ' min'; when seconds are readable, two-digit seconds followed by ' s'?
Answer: 1 h 38 min 25 s
